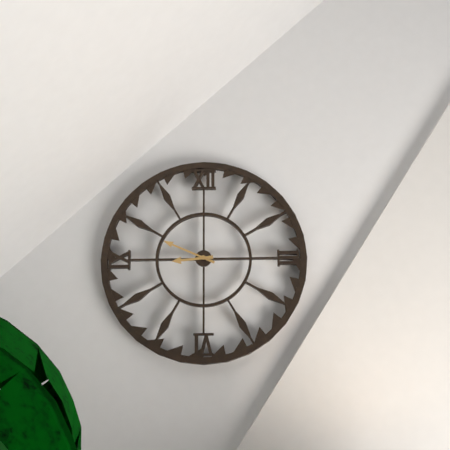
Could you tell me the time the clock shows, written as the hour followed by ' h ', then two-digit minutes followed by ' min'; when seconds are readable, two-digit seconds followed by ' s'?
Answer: 8 h 49 min
